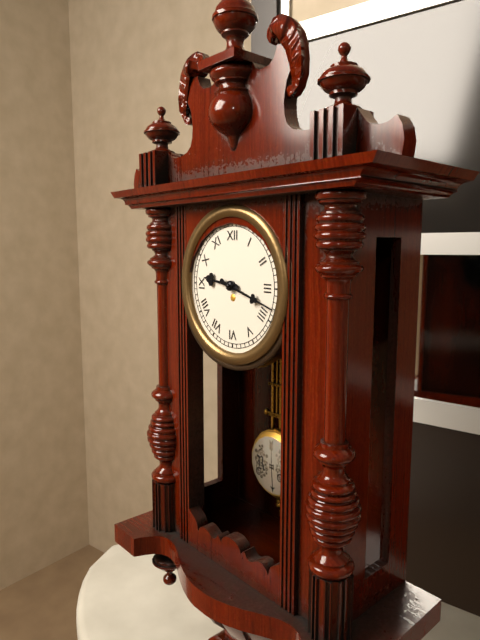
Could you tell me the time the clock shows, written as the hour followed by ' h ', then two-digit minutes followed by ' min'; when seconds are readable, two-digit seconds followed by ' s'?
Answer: 9 h 18 min
